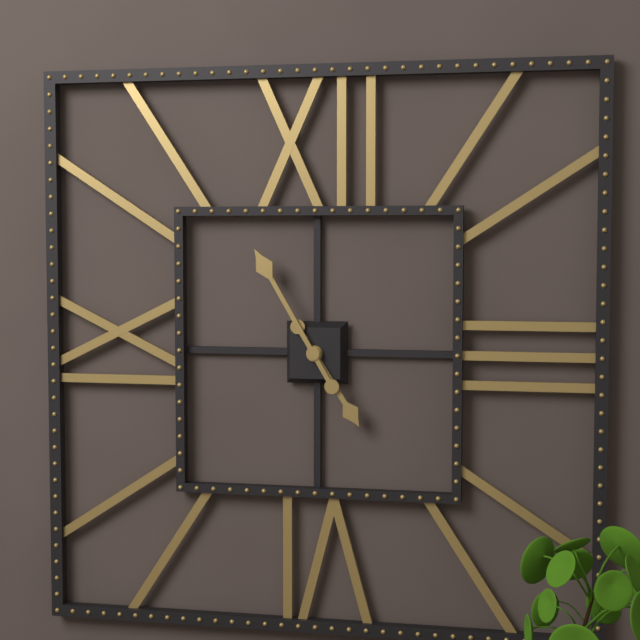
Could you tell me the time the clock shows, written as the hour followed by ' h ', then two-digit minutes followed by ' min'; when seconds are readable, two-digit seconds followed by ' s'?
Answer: 4 h 55 min
